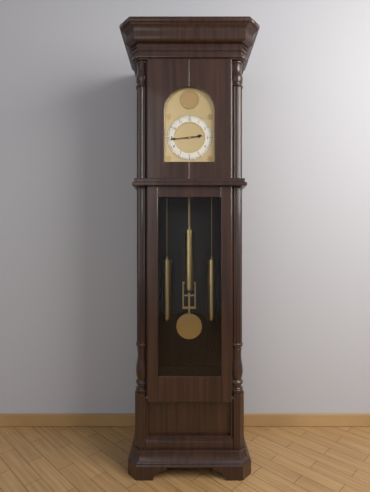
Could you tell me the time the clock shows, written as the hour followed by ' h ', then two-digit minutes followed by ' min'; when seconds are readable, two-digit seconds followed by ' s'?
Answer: 2 h 44 min
